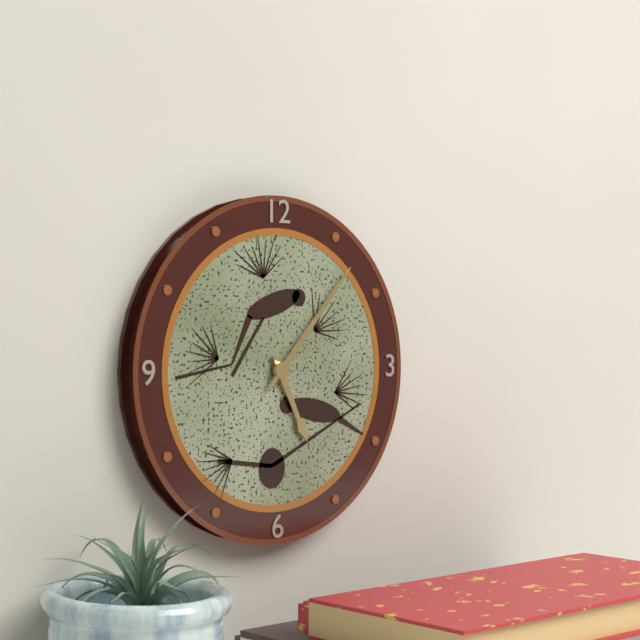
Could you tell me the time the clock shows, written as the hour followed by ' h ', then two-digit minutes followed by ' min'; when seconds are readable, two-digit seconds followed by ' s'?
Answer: 5 h 07 min
